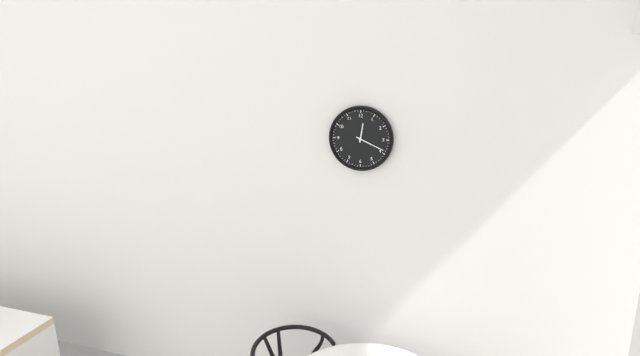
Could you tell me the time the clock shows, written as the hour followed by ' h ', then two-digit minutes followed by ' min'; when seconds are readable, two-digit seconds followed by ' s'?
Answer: 12 h 19 min
